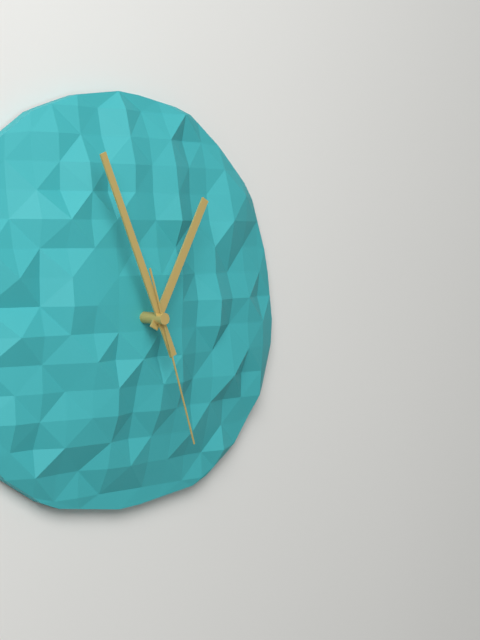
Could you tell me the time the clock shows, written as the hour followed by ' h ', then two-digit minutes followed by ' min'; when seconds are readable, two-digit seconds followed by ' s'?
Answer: 12 h 56 min 27 s
